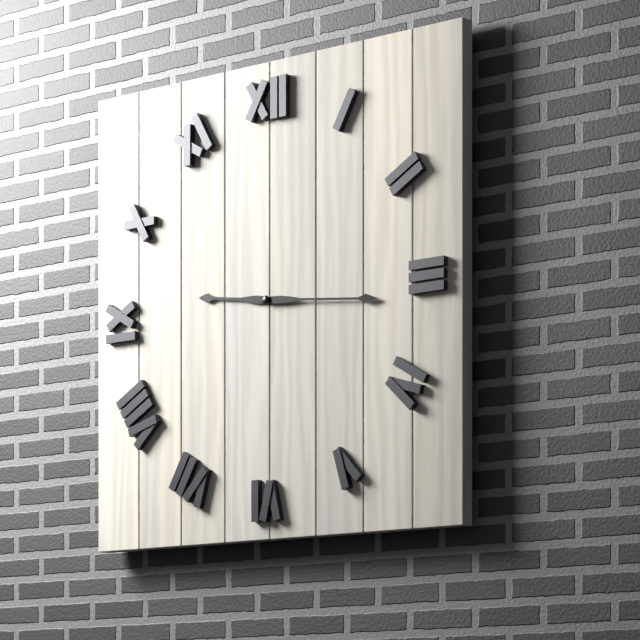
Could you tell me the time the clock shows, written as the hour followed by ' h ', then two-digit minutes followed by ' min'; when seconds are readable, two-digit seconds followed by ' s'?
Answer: 9 h 16 min
